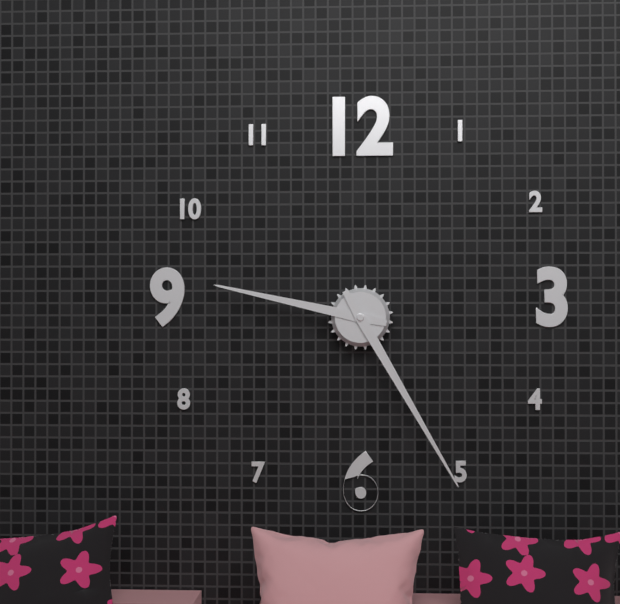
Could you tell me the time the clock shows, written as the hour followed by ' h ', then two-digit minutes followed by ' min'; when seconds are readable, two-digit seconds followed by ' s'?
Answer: 9 h 25 min
